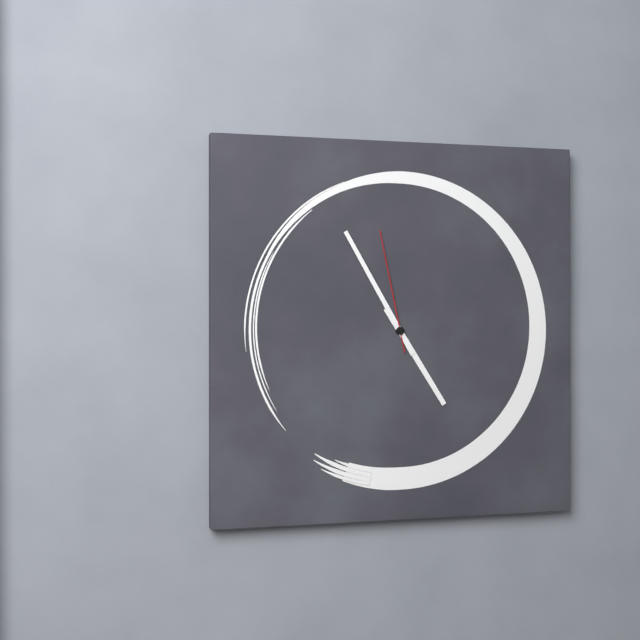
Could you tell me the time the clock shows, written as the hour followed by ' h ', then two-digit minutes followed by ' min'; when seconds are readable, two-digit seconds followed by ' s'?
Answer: 4 h 55 min 58 s
